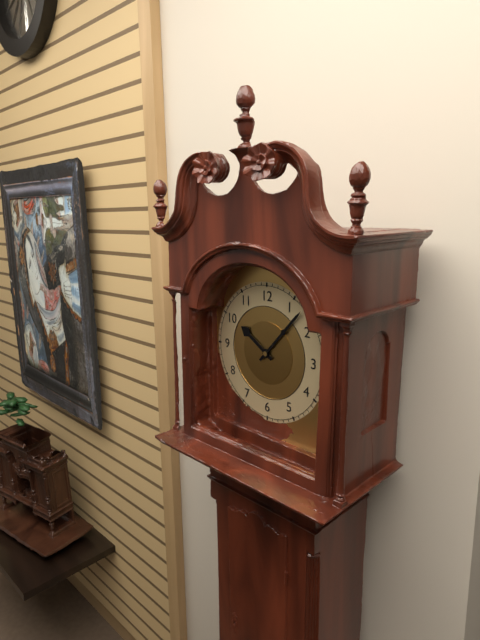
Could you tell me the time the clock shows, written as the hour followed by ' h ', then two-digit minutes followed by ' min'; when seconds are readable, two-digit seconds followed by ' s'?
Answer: 10 h 07 min
